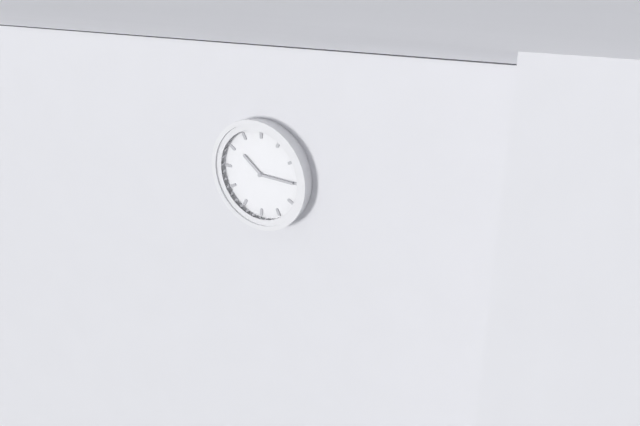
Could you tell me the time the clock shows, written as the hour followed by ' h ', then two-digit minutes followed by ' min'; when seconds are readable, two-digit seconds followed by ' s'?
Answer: 10 h 15 min
